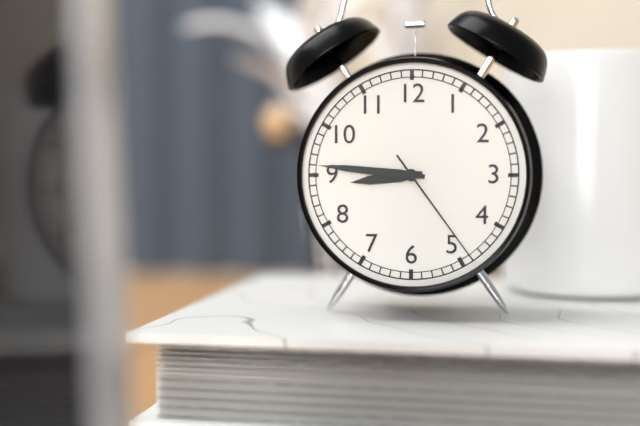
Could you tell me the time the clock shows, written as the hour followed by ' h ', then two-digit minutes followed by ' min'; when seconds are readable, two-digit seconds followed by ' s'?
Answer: 8 h 46 min 24 s
